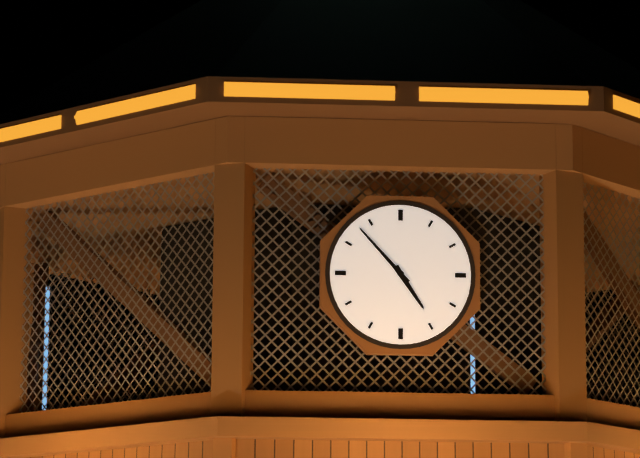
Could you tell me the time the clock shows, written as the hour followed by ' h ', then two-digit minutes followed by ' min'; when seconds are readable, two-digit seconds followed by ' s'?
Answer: 4 h 53 min
